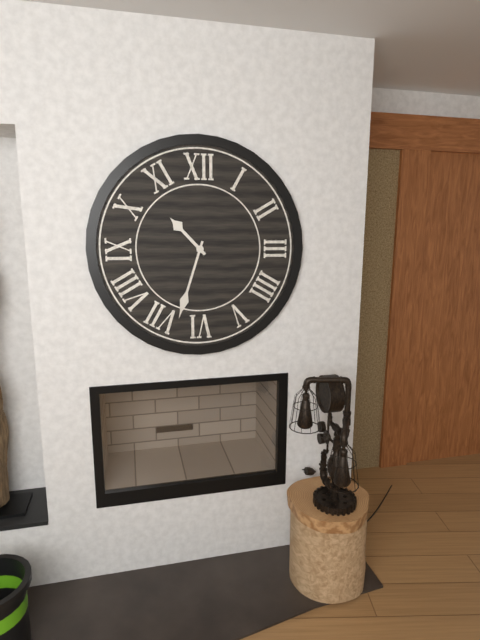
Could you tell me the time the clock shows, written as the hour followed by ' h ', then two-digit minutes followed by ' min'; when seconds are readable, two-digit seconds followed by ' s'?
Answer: 10 h 33 min
